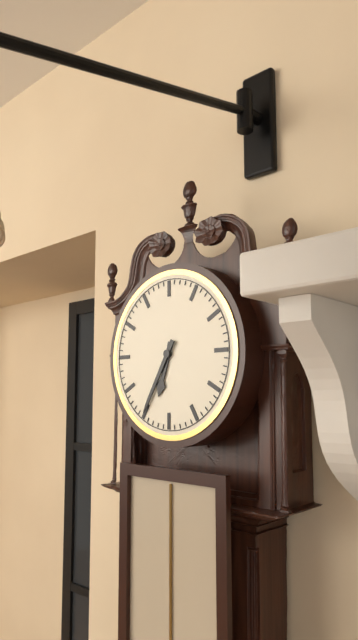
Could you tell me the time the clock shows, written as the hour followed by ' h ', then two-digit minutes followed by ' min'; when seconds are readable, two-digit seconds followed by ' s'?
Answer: 6 h 35 min
